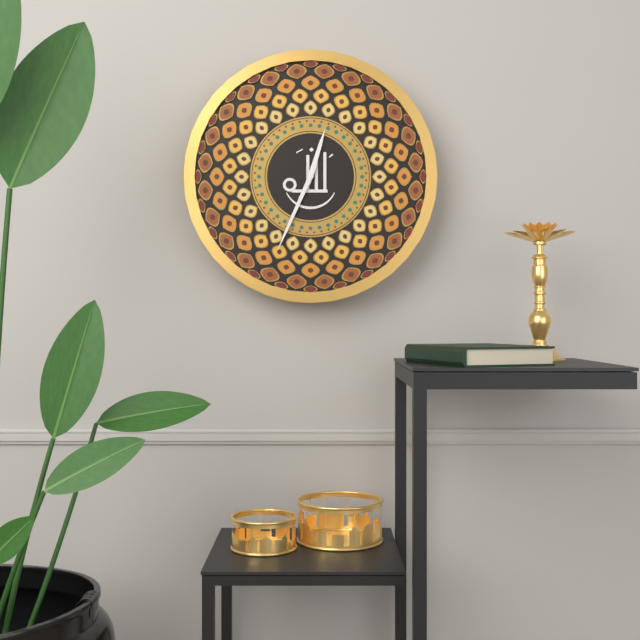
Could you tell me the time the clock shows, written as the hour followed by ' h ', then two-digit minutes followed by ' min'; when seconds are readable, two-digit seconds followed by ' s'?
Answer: 12 h 34 min
